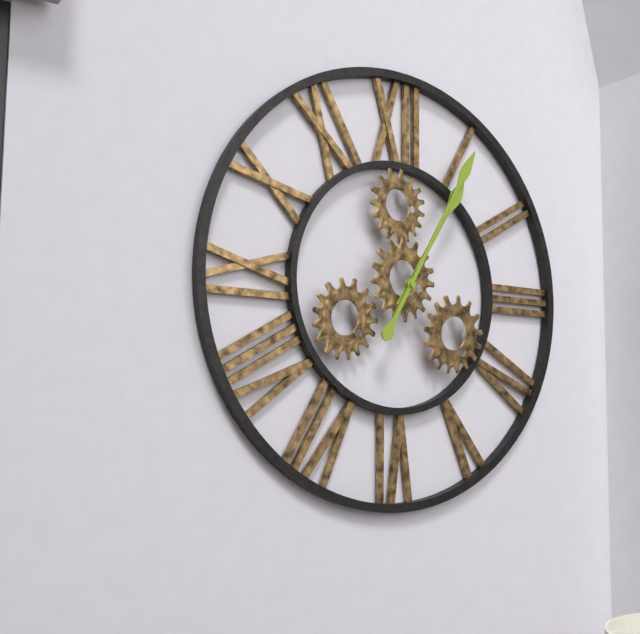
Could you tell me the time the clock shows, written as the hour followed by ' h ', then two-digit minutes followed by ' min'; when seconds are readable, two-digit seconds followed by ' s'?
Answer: 1 h 05 min
